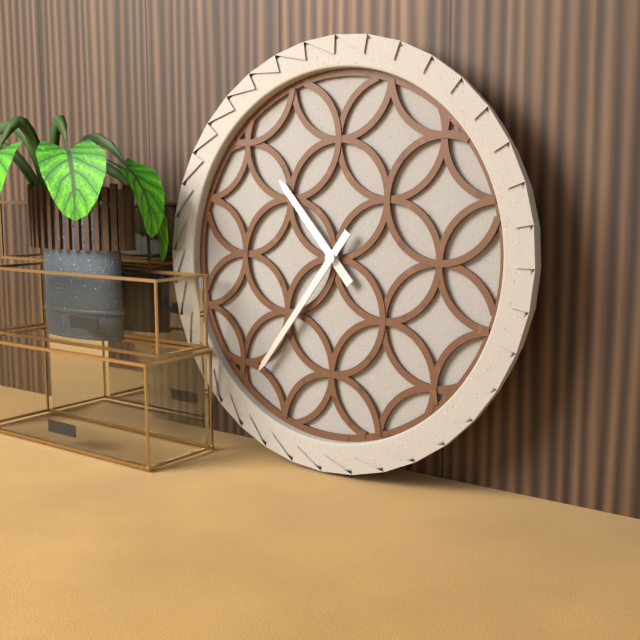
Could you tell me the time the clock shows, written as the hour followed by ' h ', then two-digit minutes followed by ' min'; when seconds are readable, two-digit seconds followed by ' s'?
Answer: 10 h 36 min
